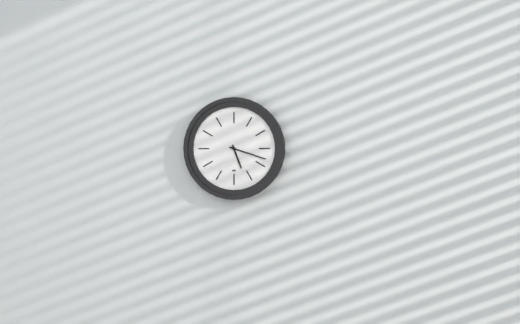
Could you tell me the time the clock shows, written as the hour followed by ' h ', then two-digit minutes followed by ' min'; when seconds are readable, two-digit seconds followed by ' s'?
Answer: 5 h 18 min
